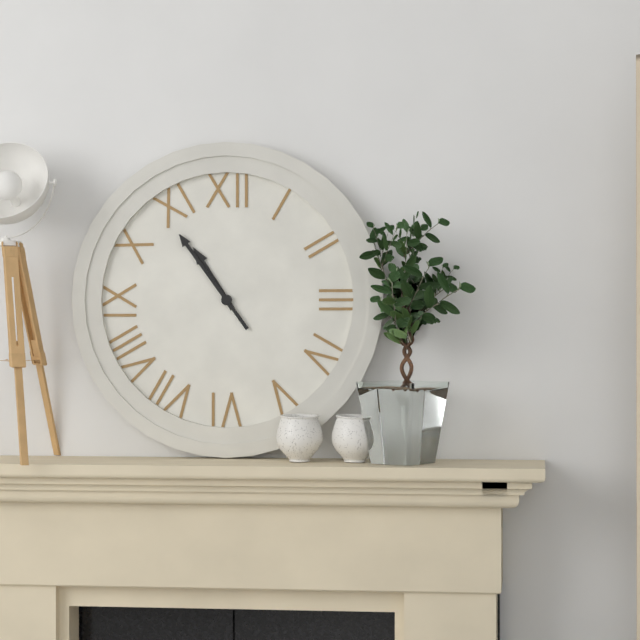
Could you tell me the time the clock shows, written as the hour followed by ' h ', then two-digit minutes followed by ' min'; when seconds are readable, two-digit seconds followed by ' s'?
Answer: 10 h 54 min
